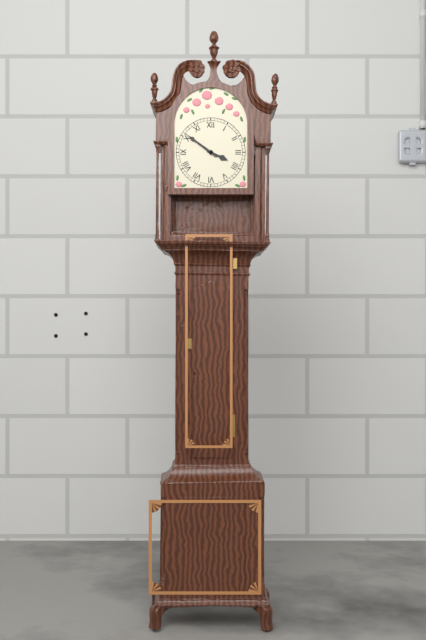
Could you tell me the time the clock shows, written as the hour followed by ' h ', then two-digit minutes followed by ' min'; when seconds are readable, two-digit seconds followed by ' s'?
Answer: 3 h 51 min
